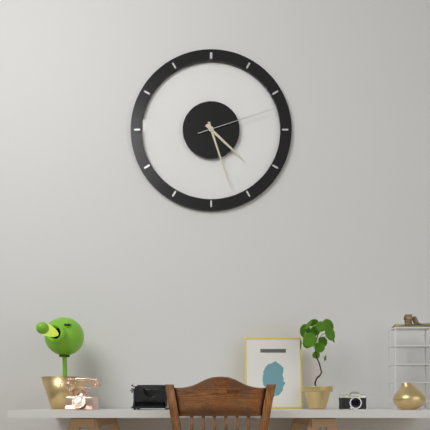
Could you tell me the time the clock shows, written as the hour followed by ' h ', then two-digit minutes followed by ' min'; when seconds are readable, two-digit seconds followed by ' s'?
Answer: 4 h 27 min 12 s
